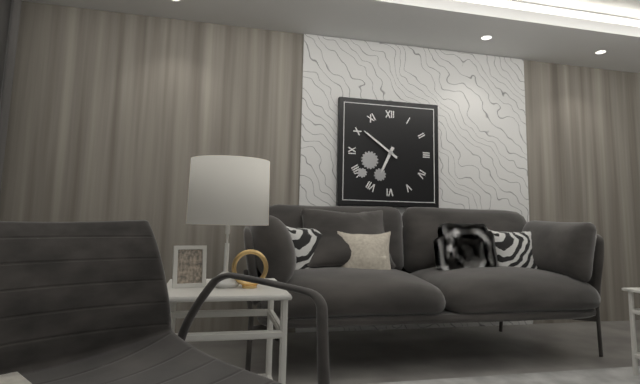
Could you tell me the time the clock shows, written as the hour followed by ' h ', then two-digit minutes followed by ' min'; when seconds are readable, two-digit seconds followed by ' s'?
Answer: 6 h 51 min
